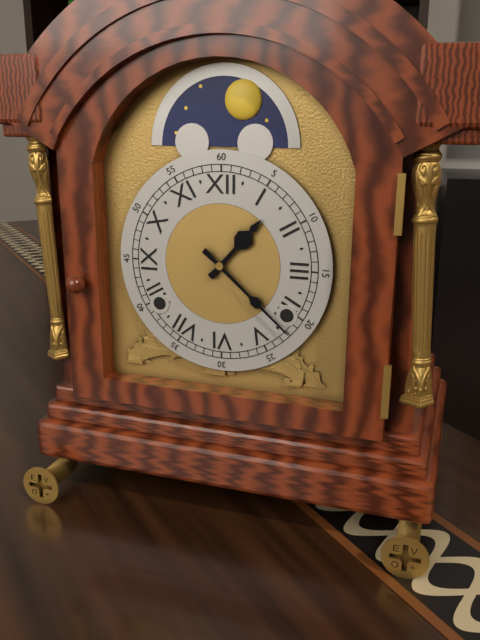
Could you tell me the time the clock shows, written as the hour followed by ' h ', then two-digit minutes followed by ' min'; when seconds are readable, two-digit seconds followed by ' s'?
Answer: 1 h 22 min
